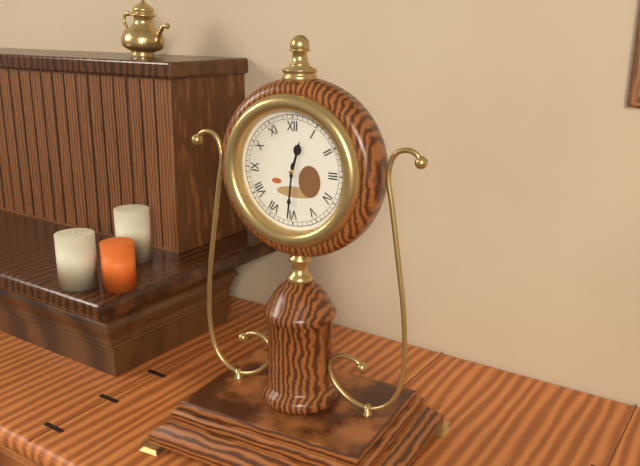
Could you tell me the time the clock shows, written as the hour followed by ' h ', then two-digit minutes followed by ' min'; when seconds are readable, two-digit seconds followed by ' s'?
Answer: 12 h 31 min
